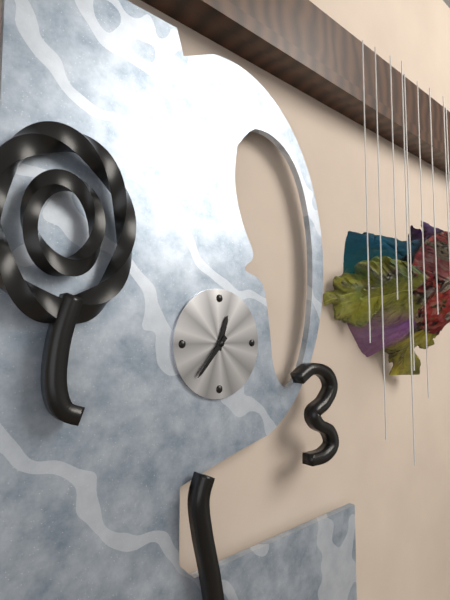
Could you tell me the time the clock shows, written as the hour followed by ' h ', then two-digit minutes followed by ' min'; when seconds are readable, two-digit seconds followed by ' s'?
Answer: 12 h 37 min
